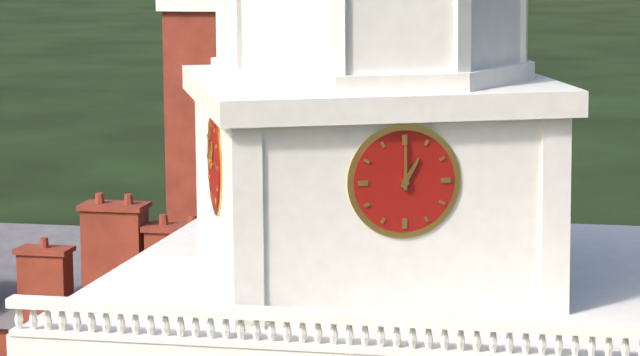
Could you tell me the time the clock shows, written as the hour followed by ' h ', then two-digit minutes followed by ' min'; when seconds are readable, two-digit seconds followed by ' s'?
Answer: 1 h 00 min
